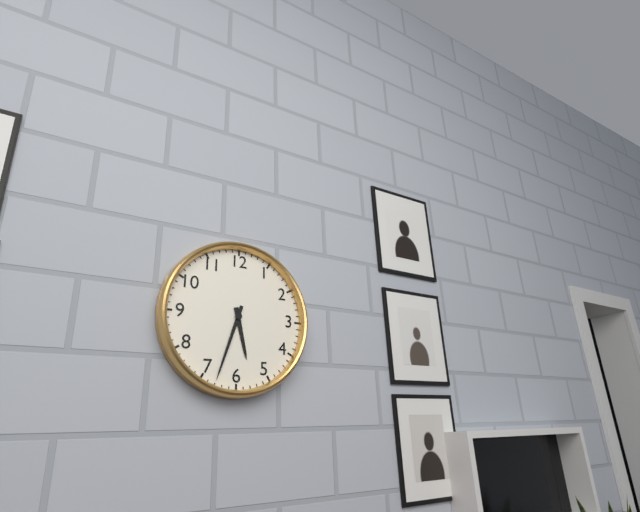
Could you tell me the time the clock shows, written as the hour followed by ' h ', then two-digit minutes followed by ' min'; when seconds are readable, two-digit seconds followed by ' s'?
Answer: 5 h 33 min
